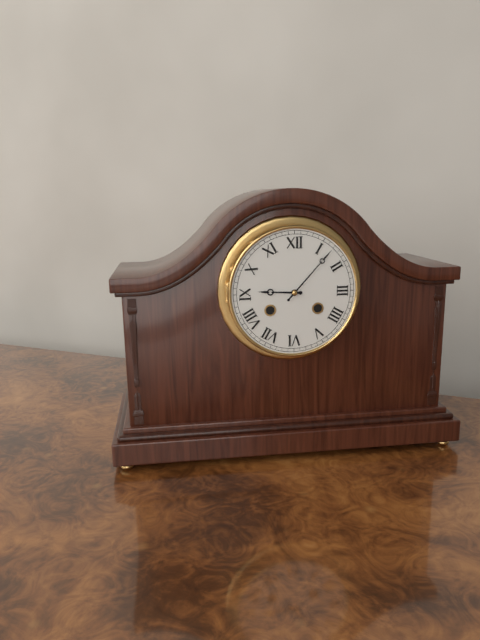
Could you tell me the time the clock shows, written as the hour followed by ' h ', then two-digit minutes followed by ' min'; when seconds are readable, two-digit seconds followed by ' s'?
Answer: 9 h 07 min
